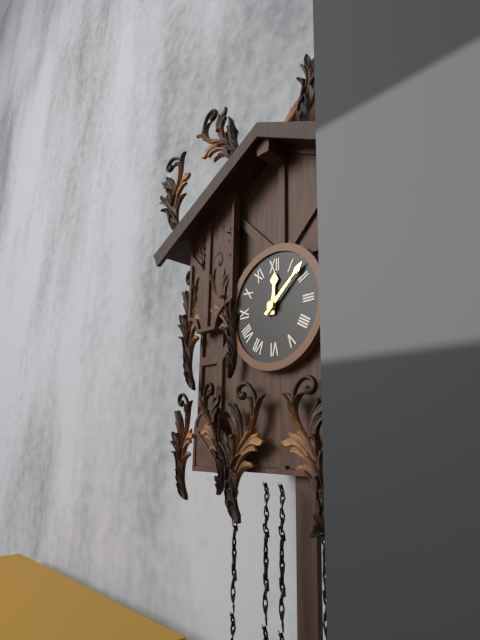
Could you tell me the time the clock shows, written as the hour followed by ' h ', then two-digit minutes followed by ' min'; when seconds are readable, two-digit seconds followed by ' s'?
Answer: 12 h 08 min
